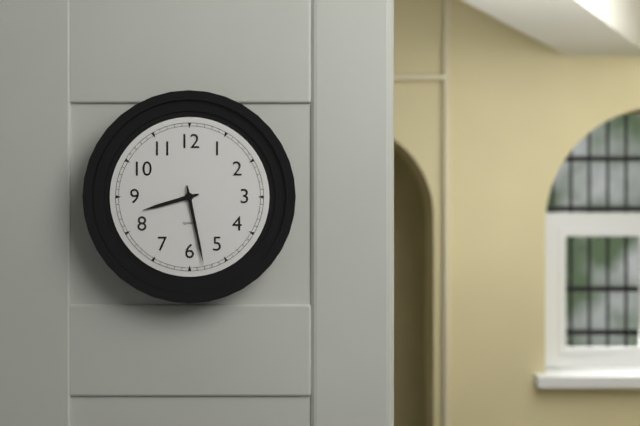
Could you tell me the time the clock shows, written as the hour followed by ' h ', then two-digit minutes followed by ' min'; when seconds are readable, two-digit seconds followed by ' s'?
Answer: 8 h 28 min
